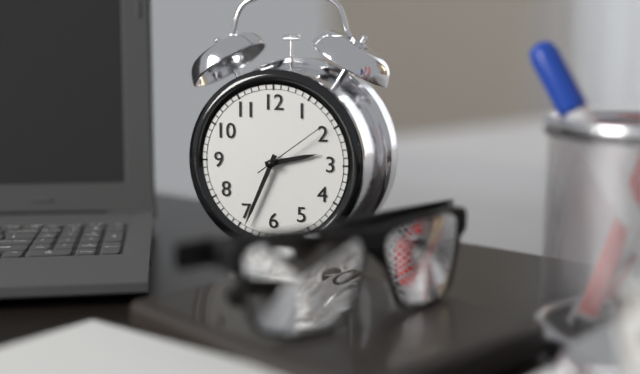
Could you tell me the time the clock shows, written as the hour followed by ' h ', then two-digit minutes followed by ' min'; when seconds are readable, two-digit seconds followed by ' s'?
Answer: 2 h 34 min 09 s
